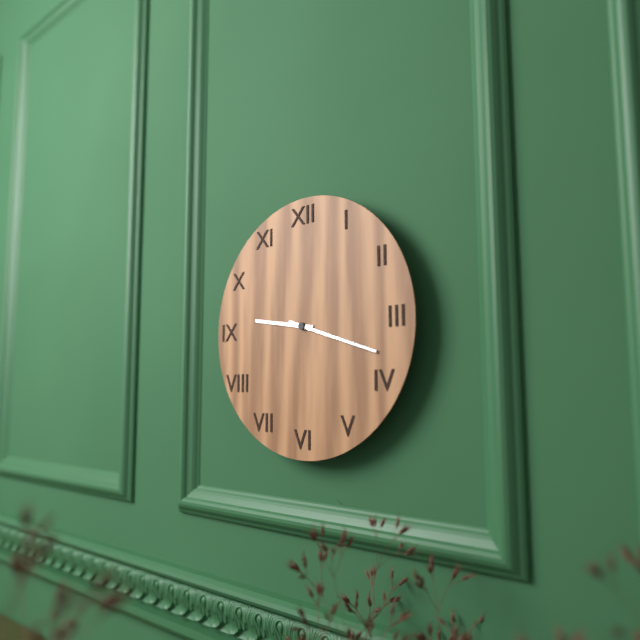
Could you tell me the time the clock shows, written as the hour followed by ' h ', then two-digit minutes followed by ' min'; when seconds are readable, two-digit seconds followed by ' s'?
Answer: 9 h 18 min
